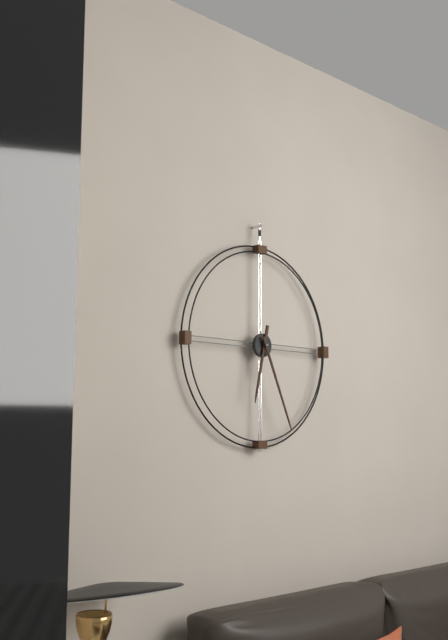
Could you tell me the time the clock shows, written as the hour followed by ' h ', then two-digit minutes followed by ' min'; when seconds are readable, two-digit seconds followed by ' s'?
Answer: 6 h 26 min
